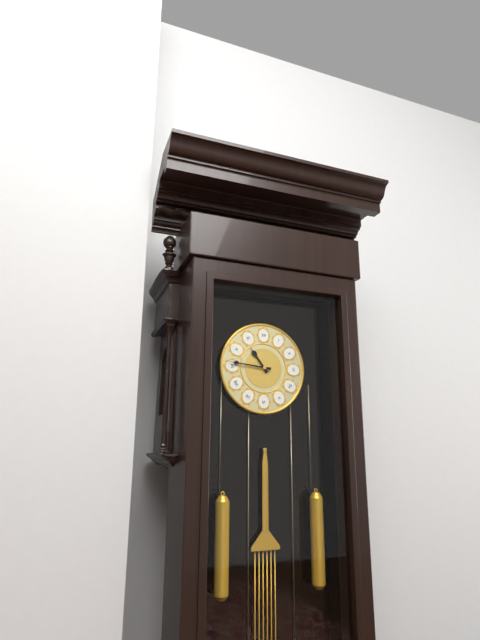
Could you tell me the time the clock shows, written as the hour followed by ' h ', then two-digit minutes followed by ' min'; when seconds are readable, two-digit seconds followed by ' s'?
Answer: 10 h 46 min
